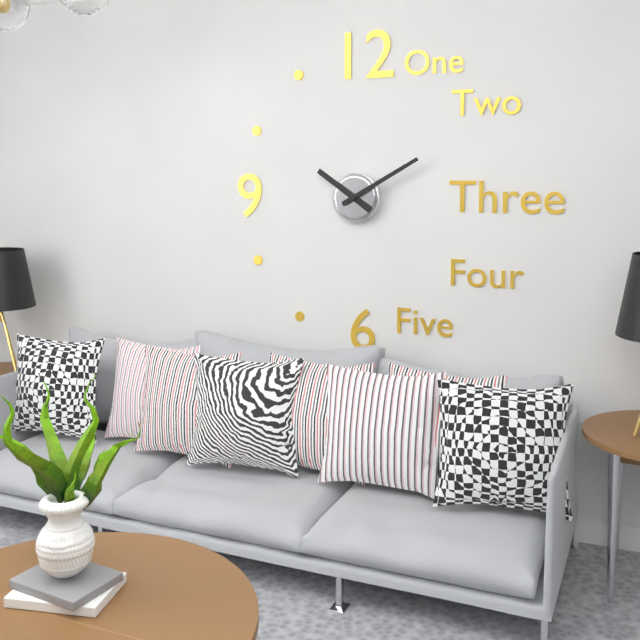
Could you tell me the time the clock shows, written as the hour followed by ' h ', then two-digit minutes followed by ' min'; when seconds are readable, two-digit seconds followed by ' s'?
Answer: 10 h 10 min
